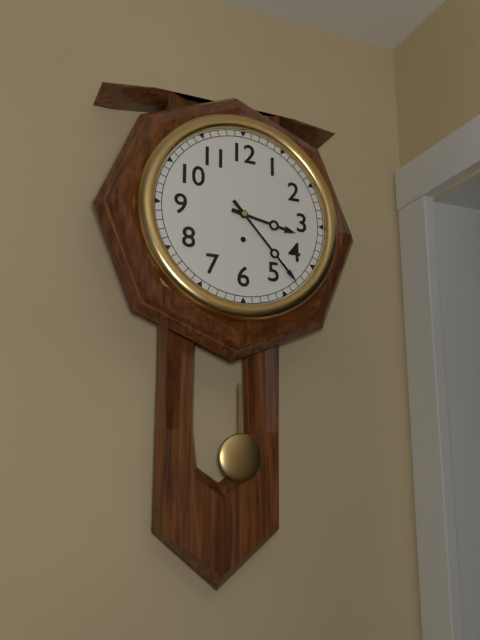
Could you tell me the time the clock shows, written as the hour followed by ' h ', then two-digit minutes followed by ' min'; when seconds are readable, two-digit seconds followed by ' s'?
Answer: 3 h 23 min
